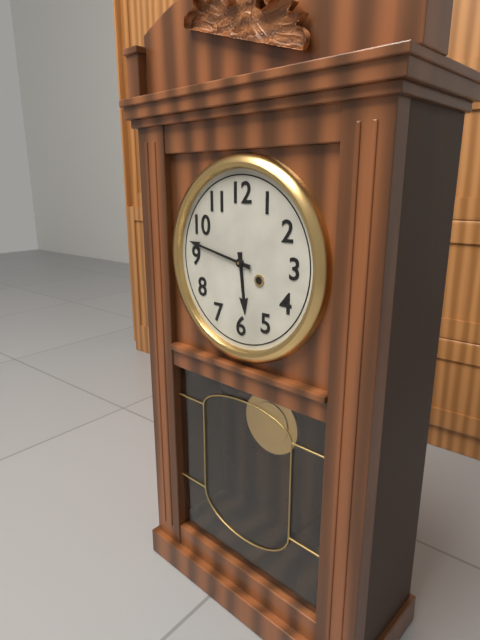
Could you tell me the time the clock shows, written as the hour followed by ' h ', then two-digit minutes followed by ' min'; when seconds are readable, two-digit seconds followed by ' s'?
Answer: 5 h 47 min
